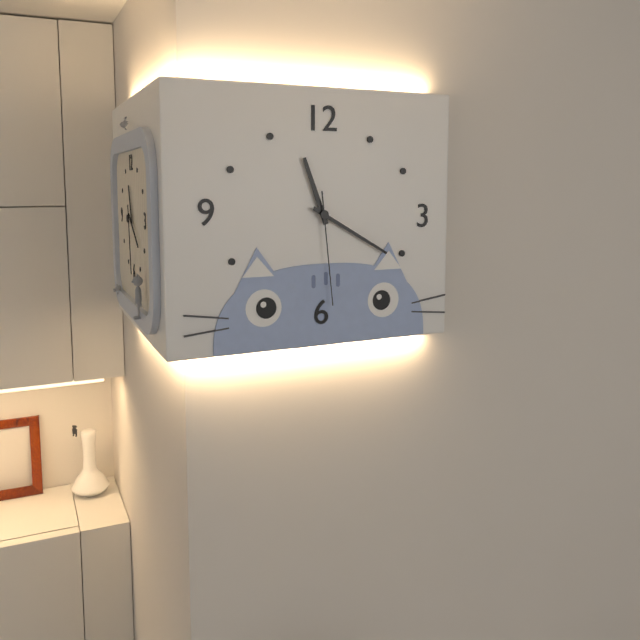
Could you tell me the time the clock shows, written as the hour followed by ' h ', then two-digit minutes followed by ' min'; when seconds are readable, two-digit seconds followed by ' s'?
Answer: 11 h 20 min 29 s
